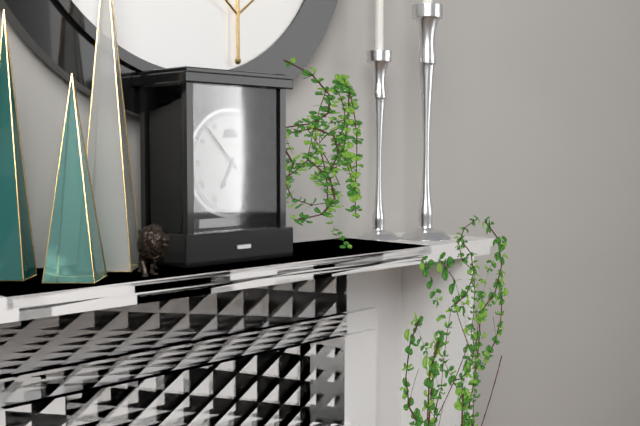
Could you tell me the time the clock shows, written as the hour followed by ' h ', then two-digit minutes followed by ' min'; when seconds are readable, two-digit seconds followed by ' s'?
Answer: 6 h 53 min
